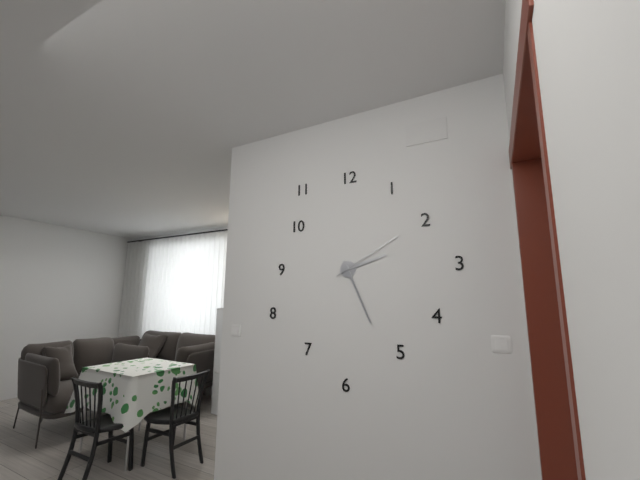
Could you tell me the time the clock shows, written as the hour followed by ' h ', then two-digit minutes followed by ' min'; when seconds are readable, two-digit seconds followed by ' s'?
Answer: 2 h 26 min 10 s
